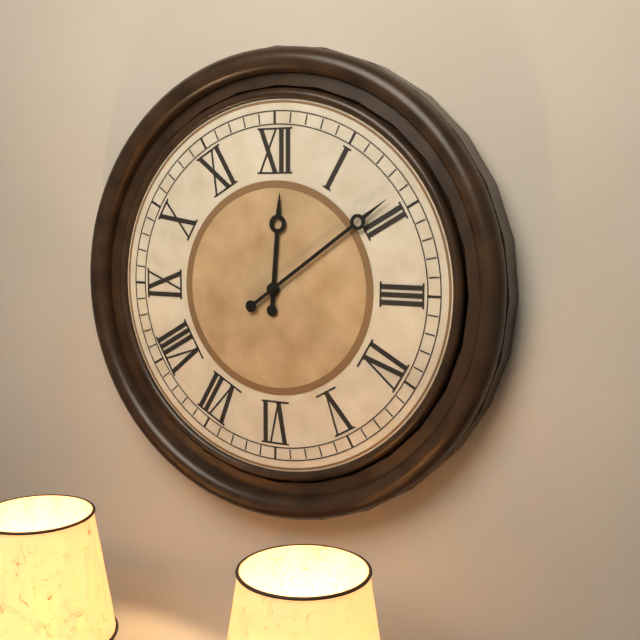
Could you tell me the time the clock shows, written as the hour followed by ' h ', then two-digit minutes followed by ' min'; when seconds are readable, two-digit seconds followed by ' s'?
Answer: 12 h 09 min
